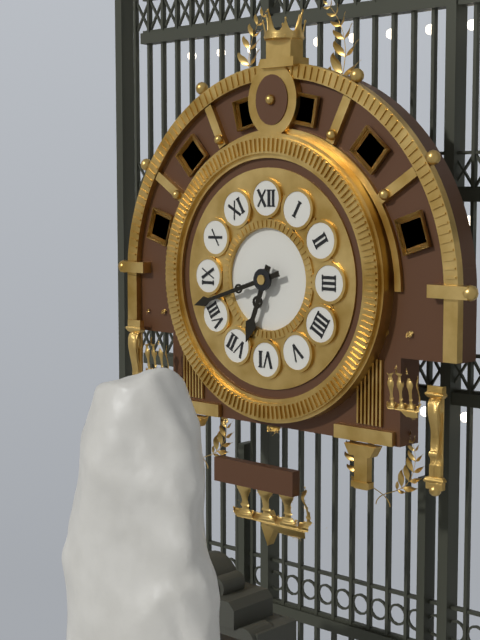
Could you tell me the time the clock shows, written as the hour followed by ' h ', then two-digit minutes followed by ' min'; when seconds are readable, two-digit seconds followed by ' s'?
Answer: 6 h 42 min
